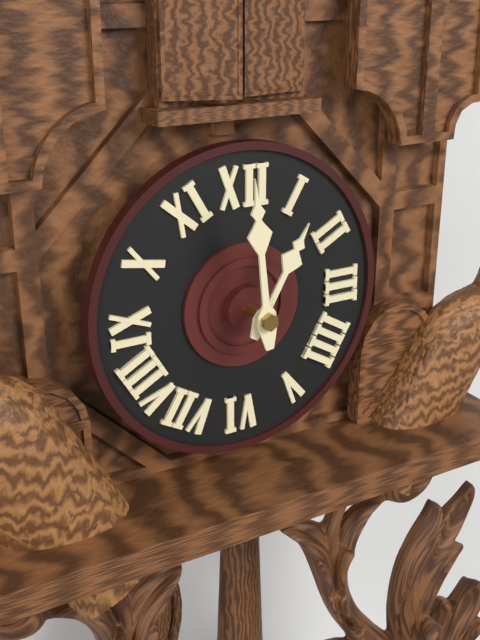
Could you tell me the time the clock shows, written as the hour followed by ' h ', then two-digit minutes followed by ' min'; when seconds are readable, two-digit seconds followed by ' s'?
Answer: 12 h 59 min
